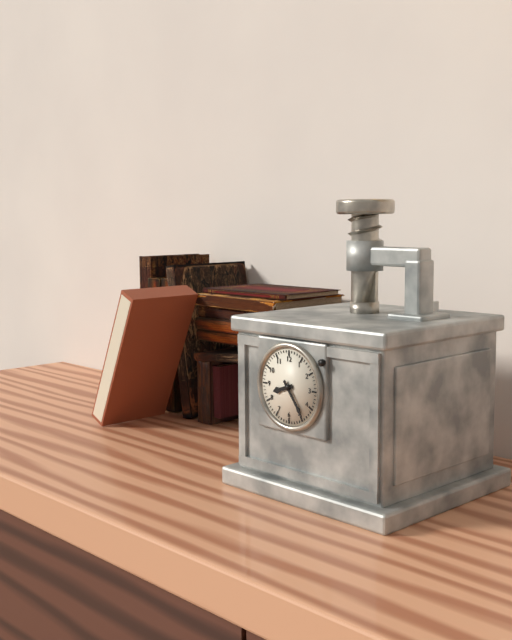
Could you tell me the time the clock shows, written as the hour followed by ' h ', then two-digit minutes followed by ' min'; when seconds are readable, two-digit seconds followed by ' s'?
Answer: 8 h 24 min
